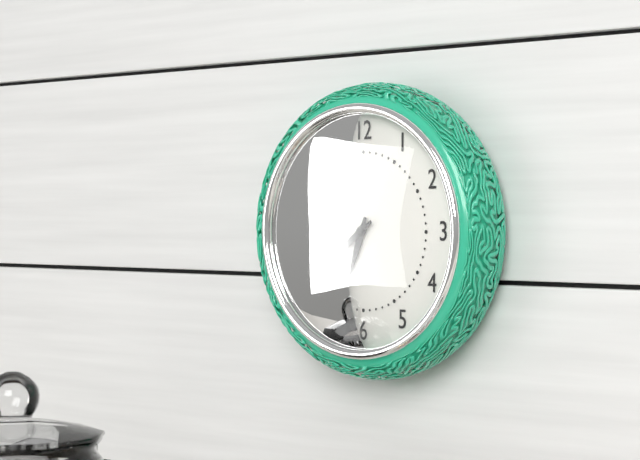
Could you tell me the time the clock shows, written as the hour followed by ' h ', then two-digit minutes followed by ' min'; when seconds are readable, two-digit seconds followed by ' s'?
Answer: 6 h 39 min
